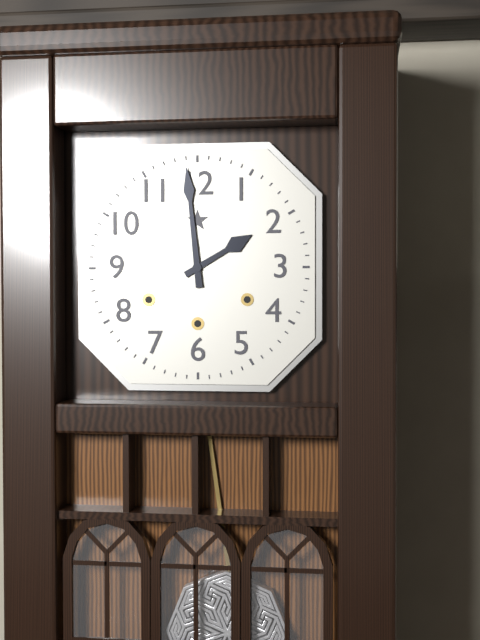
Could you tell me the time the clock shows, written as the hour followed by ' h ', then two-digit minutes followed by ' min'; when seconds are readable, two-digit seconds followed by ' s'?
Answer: 1 h 59 min
